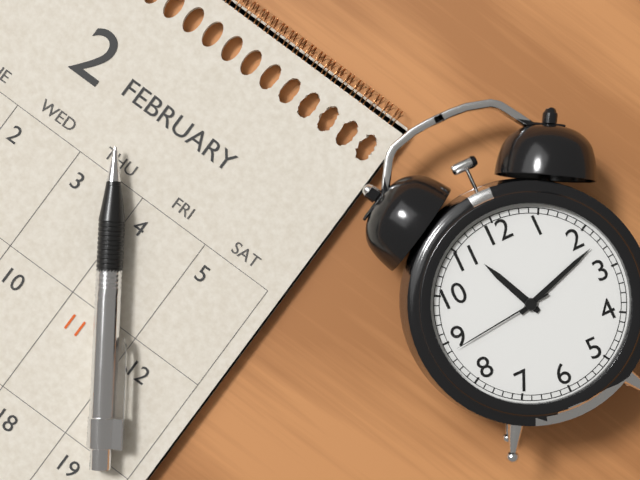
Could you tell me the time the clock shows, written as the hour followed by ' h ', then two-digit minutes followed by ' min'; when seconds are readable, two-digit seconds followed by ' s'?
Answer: 11 h 12 min 44 s
